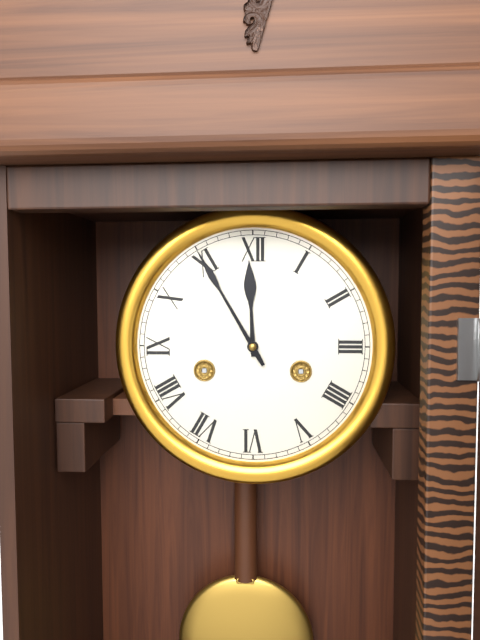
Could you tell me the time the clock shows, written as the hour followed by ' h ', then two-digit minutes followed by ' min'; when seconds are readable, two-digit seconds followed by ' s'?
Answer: 11 h 55 min
